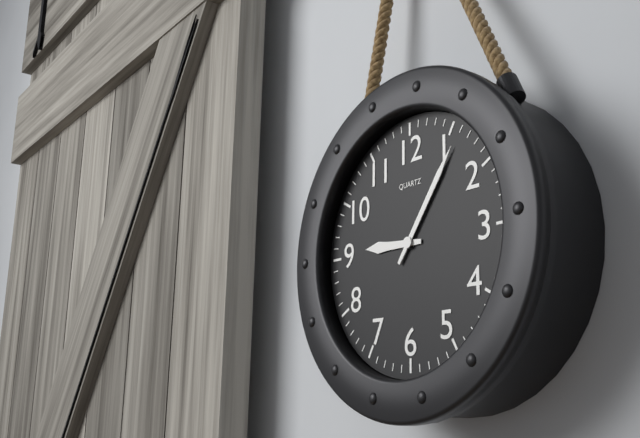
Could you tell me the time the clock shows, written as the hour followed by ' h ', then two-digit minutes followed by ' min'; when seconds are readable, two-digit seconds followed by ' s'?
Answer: 9 h 06 min
